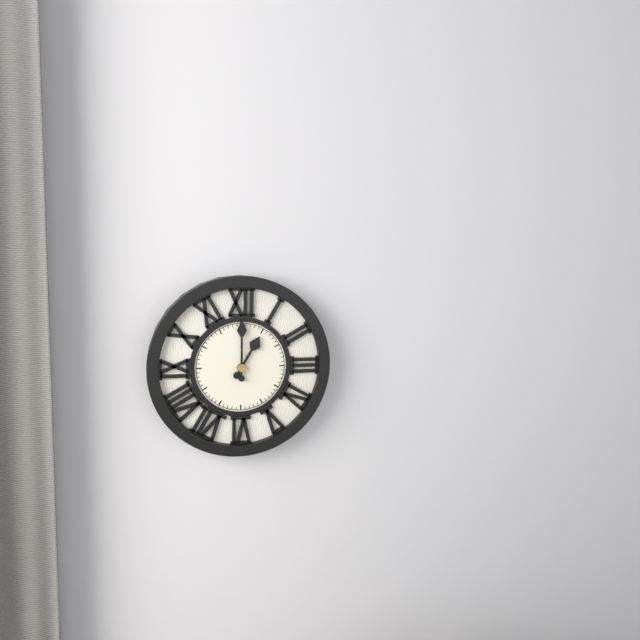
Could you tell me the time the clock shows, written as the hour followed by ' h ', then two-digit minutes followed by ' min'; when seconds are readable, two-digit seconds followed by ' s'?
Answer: 1 h 00 min
